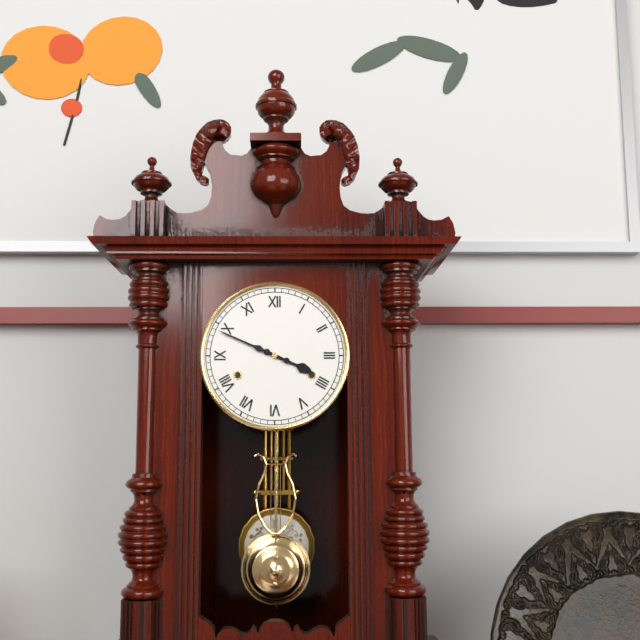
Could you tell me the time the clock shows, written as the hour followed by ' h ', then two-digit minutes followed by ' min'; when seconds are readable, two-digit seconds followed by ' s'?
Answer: 3 h 49 min
